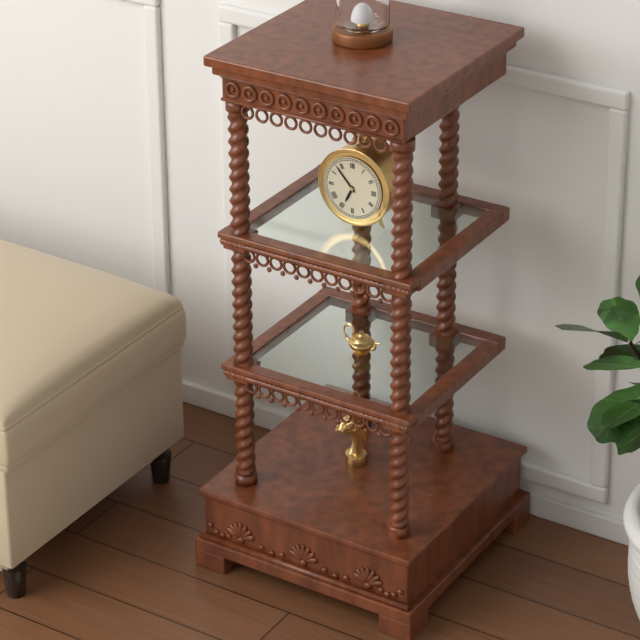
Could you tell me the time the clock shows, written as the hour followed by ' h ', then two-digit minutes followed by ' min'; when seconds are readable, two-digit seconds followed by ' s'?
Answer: 6 h 53 min
